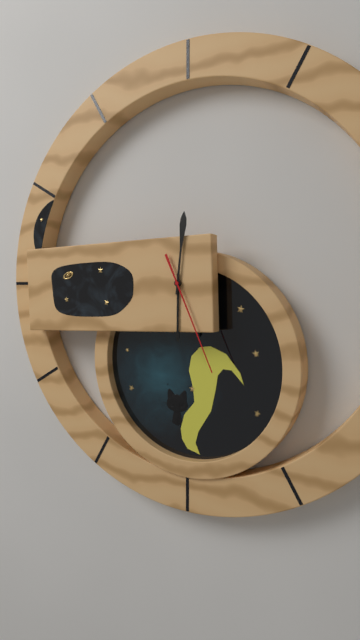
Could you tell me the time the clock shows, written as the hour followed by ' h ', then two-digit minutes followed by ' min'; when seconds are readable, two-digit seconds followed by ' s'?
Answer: 6 h 01 min 26 s
